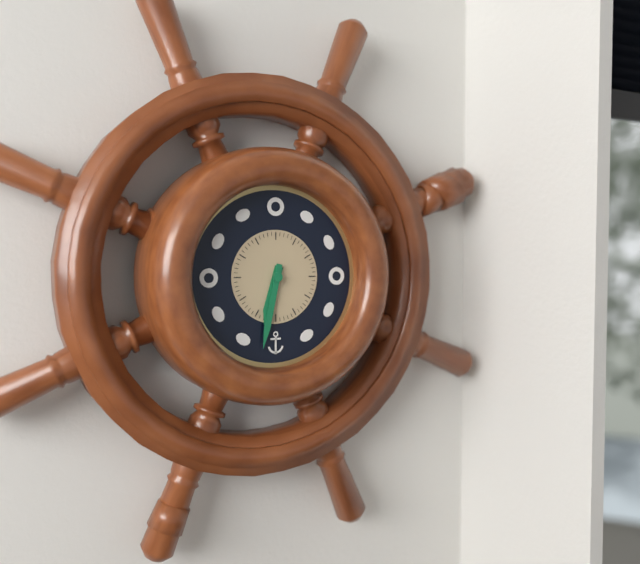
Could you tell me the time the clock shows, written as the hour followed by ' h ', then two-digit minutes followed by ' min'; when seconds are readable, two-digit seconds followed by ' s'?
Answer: 6 h 32 min
